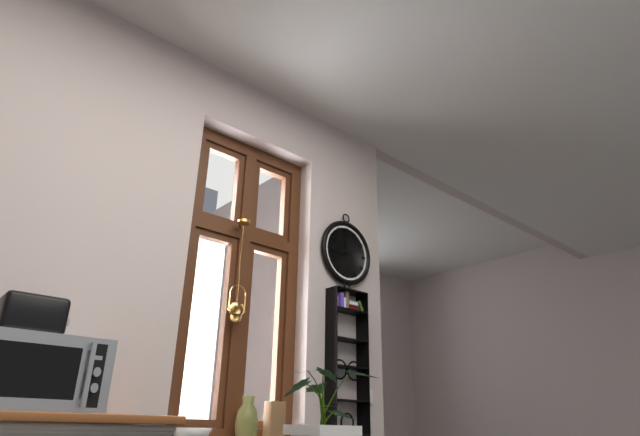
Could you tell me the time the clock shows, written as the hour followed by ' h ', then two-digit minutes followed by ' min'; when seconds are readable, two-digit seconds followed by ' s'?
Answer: 11 h 44 min
